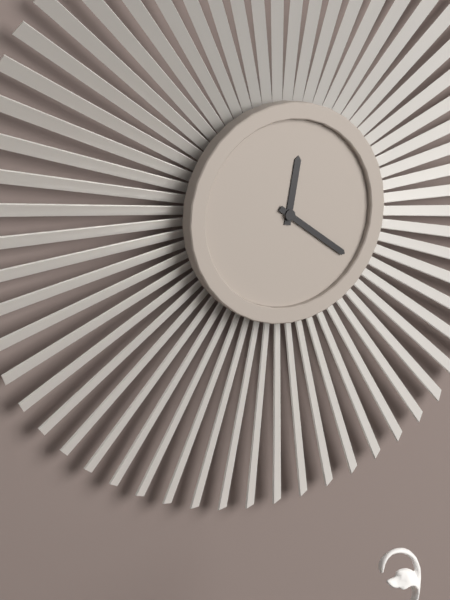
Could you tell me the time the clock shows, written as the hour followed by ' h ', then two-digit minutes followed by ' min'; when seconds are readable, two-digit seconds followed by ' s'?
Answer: 12 h 21 min
